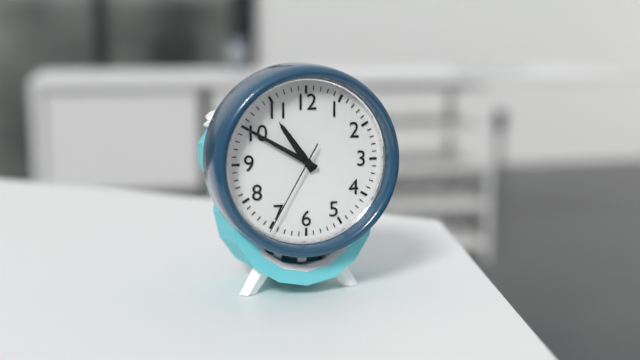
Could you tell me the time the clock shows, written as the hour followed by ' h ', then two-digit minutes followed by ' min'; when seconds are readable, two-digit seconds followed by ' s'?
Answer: 10 h 50 min 35 s
